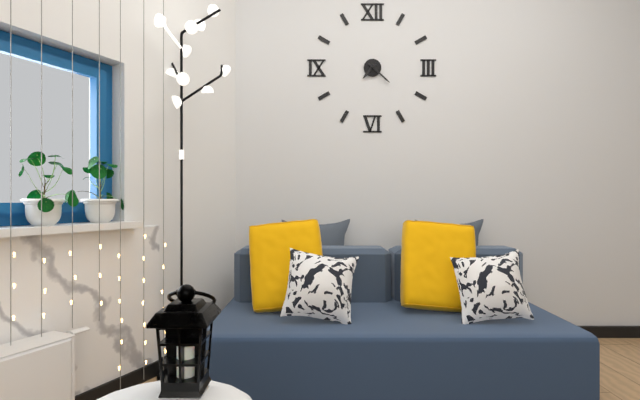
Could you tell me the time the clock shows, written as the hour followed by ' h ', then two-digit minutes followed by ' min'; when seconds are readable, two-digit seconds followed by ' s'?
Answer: 7 h 22 min
